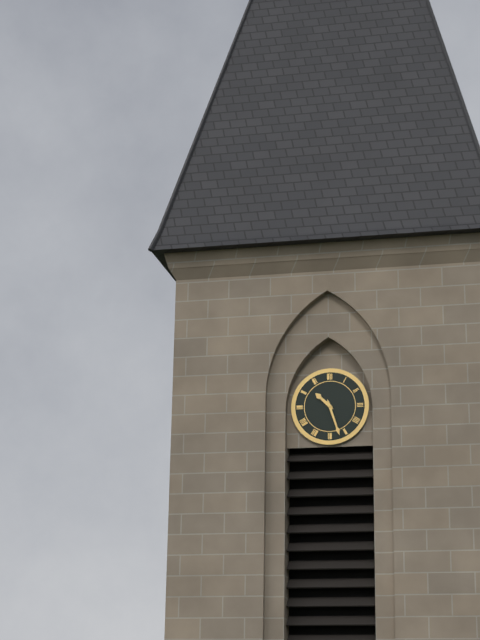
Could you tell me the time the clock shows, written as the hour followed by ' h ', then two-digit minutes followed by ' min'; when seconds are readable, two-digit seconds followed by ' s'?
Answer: 10 h 27 min
